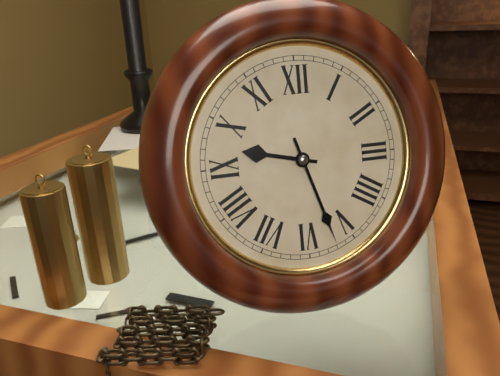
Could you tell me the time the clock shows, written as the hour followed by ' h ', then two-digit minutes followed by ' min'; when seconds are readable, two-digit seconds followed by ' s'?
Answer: 9 h 27 min
